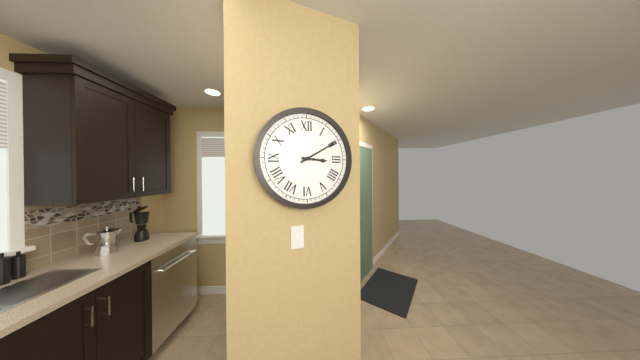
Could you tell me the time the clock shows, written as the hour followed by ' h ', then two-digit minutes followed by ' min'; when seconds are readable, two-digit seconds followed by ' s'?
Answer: 3 h 10 min
